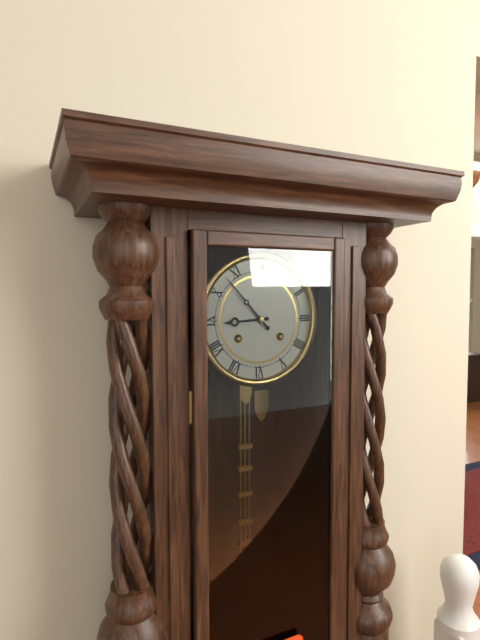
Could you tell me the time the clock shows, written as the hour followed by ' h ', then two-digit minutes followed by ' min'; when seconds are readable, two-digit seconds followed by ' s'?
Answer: 8 h 53 min
